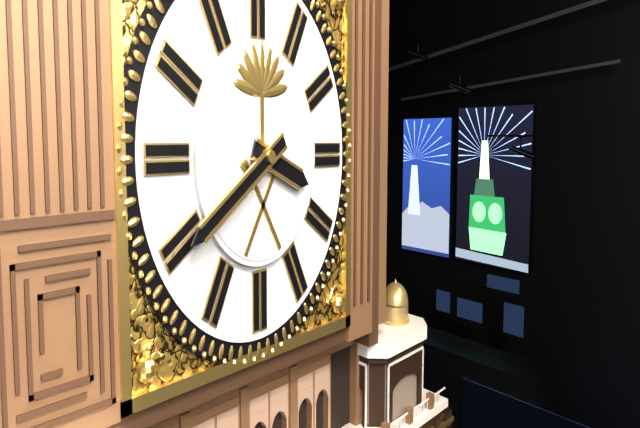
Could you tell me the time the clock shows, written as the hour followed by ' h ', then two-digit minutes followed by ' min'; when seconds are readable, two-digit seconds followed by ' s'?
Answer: 3 h 40 min
